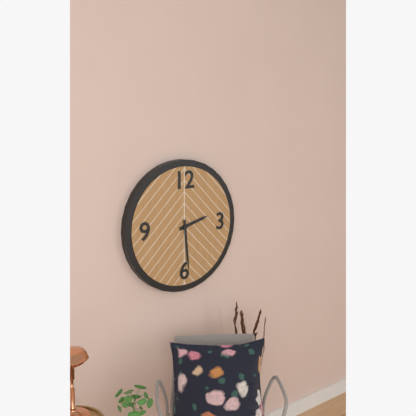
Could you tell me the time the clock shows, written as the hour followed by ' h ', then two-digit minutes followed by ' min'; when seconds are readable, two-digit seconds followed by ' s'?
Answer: 2 h 29 min
